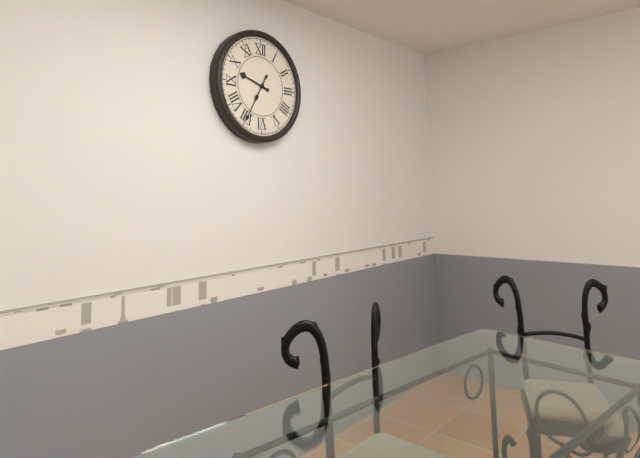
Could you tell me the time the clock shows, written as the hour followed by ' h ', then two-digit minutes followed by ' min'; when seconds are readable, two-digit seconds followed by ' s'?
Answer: 9 h 35 min
